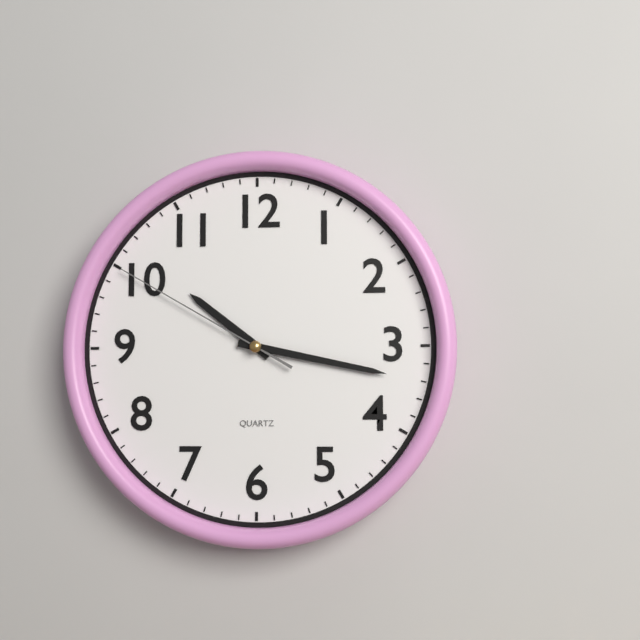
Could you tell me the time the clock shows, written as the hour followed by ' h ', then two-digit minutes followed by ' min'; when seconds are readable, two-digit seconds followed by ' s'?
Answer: 10 h 17 min 50 s
